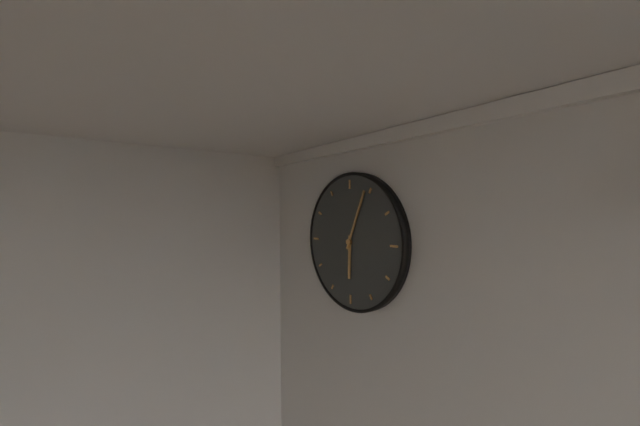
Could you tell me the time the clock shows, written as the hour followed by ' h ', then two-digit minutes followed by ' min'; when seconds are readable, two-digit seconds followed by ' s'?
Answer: 6 h 04 min
